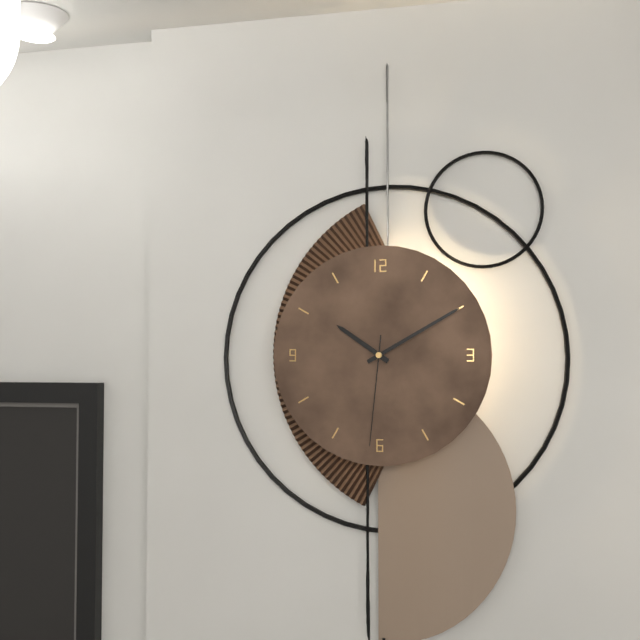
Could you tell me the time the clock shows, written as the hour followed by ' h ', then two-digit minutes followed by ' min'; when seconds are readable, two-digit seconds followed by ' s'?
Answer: 10 h 10 min 31 s
